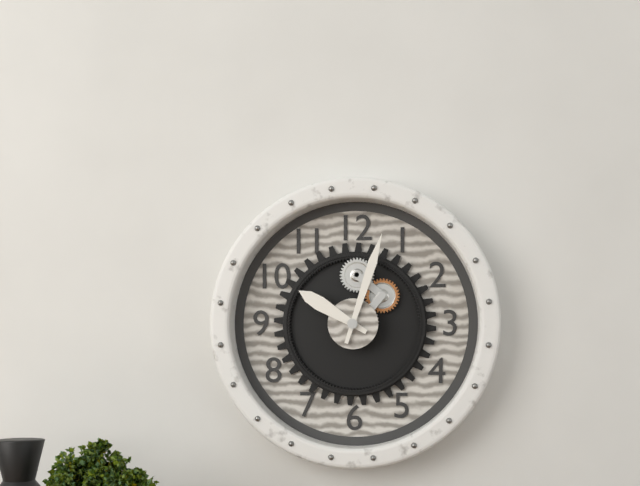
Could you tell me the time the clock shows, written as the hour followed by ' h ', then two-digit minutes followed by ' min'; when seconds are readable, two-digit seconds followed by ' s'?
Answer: 10 h 03 min
